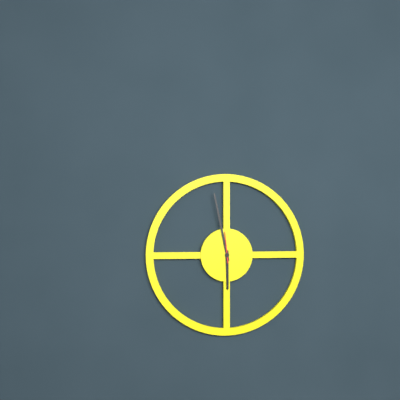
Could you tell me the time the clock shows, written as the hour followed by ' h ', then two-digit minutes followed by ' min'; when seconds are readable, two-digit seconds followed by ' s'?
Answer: 5 h 58 min
